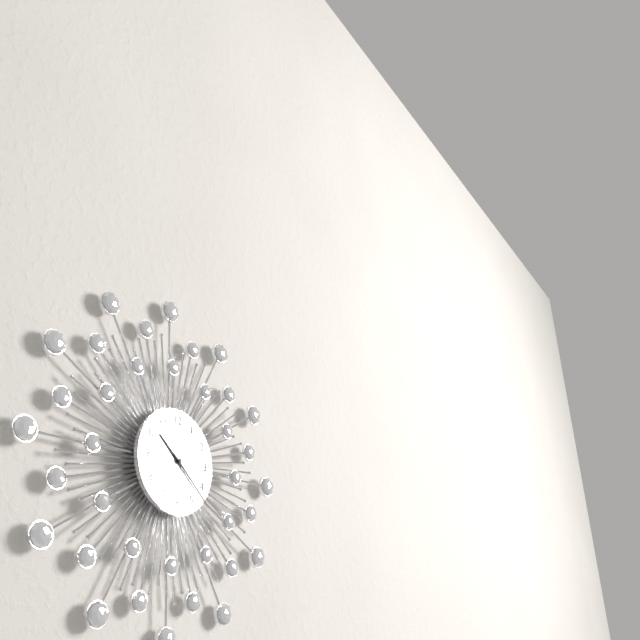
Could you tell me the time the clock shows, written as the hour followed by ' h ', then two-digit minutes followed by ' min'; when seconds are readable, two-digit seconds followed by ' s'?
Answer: 10 h 22 min 29 s
